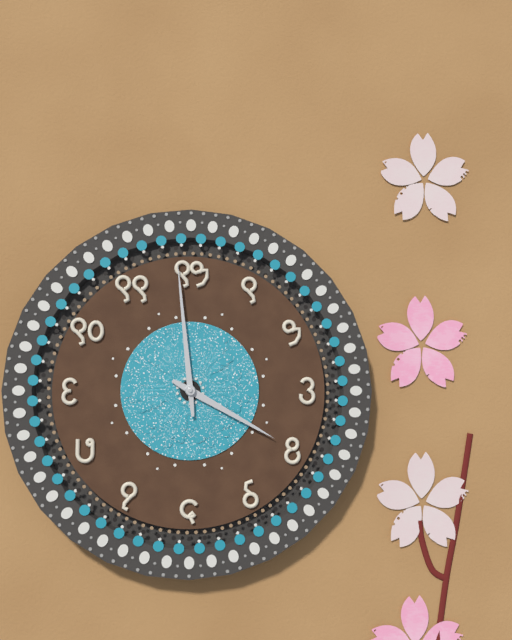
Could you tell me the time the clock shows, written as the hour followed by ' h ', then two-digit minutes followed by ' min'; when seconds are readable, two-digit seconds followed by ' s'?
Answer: 3 h 59 min
